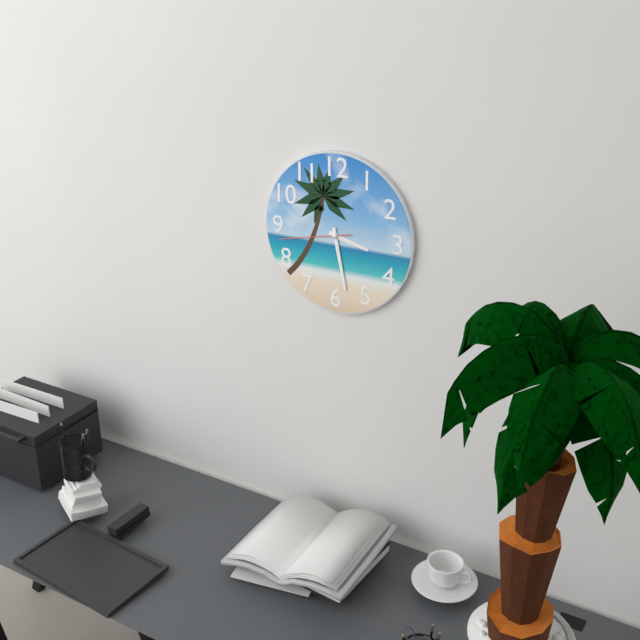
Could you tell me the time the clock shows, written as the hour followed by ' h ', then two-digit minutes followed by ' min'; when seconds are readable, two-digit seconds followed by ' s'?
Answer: 3 h 28 min 43 s
